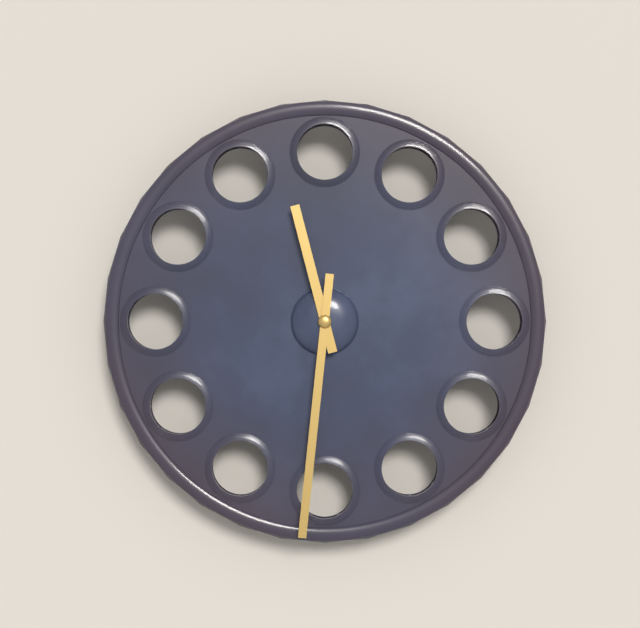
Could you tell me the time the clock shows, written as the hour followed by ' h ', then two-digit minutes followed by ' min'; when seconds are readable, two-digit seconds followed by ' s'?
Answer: 11 h 31 min
